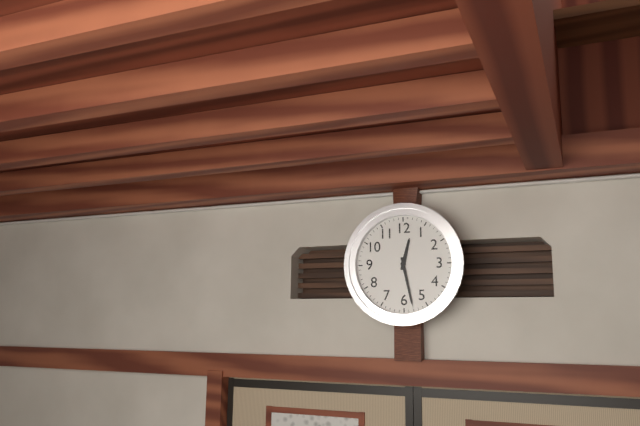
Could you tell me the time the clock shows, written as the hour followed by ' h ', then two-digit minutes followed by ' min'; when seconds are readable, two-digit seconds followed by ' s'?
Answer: 12 h 28 min
